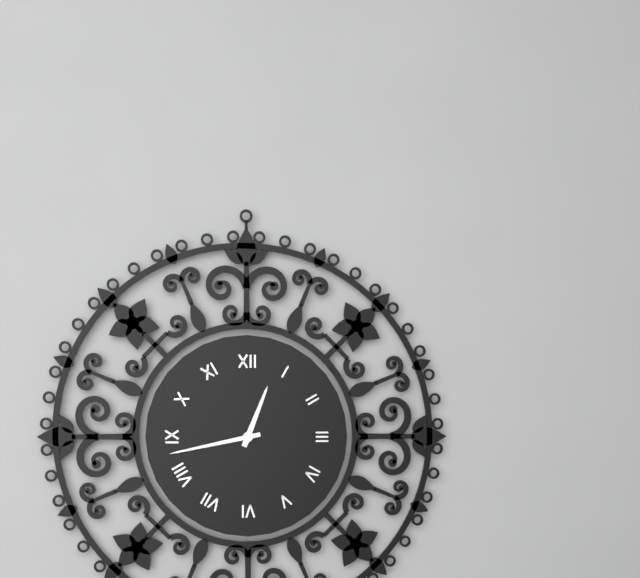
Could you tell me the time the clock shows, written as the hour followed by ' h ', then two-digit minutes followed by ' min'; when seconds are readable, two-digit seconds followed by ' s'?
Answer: 12 h 43 min
